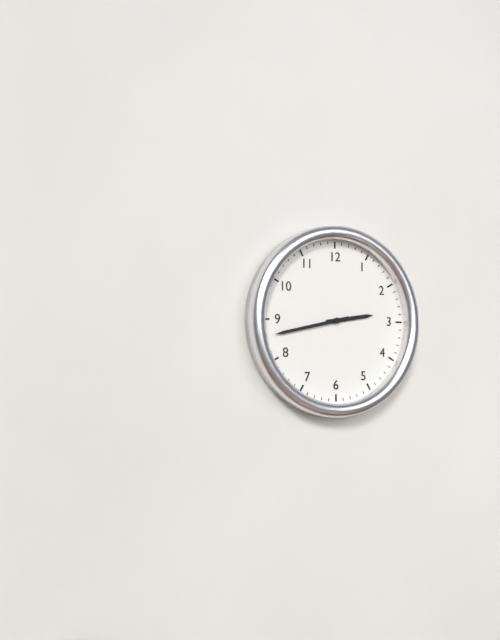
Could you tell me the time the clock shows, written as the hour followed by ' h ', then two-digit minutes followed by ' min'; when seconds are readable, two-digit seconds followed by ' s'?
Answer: 2 h 43 min
